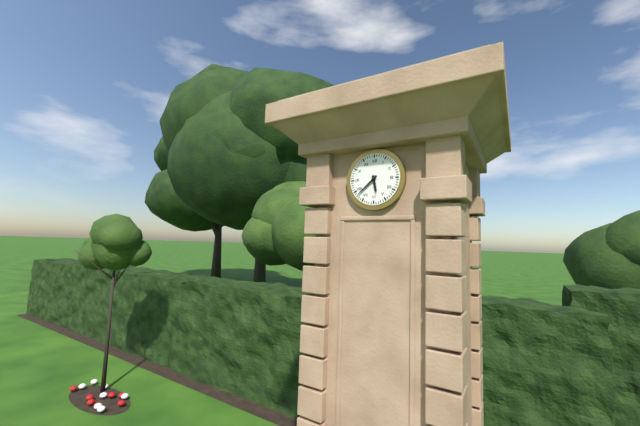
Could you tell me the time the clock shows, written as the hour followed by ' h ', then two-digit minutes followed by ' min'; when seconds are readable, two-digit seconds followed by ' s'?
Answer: 5 h 38 min
